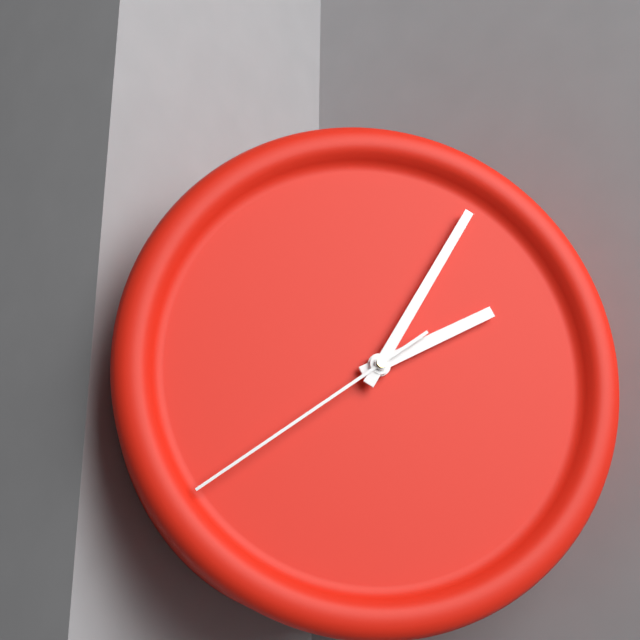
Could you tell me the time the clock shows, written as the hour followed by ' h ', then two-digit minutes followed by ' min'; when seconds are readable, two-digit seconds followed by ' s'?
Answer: 2 h 05 min 39 s
